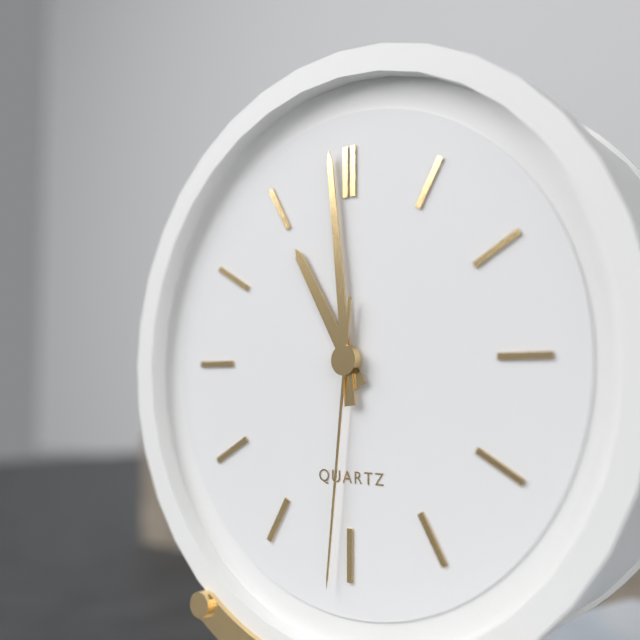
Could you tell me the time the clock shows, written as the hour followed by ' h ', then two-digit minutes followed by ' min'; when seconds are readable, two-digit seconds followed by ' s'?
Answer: 10 h 59 min 31 s
